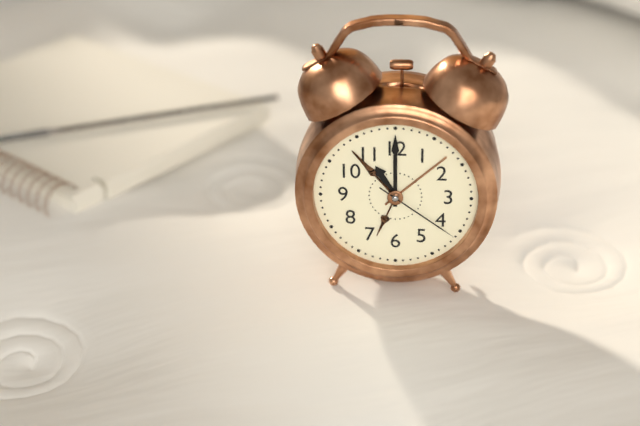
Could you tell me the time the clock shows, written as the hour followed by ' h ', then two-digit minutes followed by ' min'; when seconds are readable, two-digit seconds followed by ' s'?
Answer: 11 h 00 min 21 s
